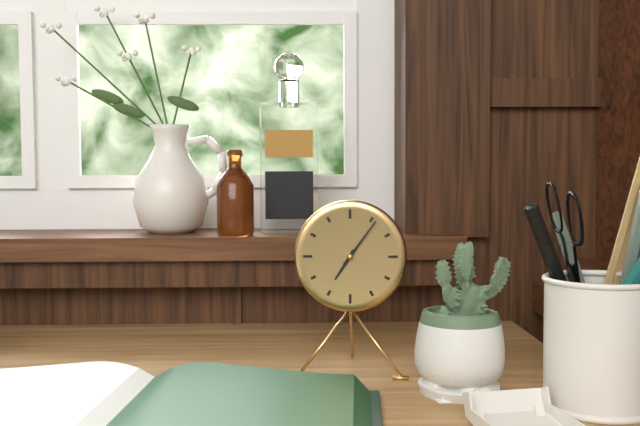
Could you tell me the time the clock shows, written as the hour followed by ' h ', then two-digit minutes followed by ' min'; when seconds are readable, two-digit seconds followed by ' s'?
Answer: 7 h 06 min
